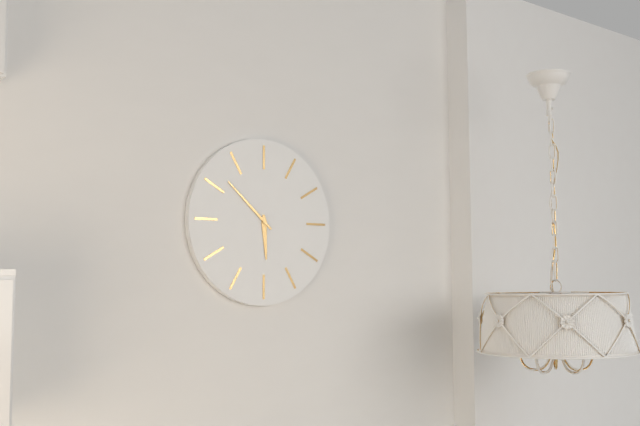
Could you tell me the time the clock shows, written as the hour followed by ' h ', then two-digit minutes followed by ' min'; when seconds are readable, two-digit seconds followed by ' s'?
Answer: 5 h 52 min
